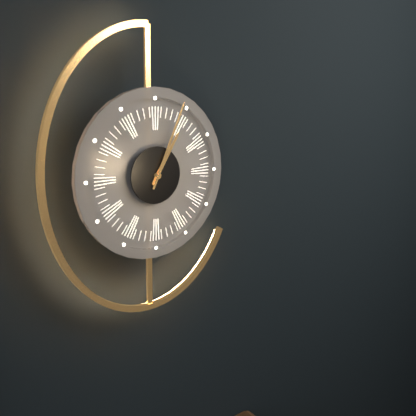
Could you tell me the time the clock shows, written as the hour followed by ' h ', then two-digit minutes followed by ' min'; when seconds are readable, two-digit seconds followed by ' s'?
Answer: 1 h 04 min
